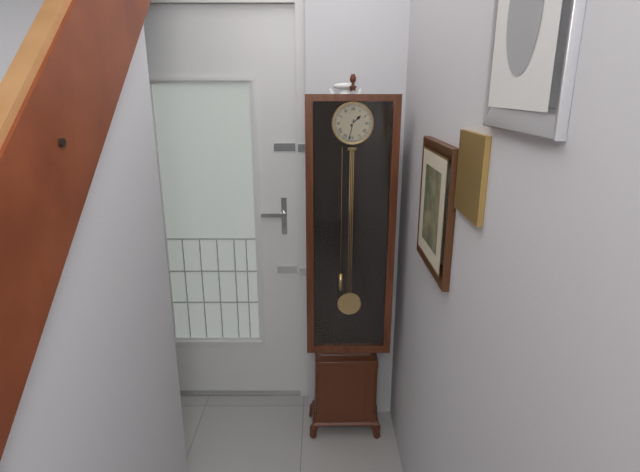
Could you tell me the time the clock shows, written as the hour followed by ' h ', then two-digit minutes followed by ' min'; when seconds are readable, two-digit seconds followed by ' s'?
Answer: 1 h 32 min
